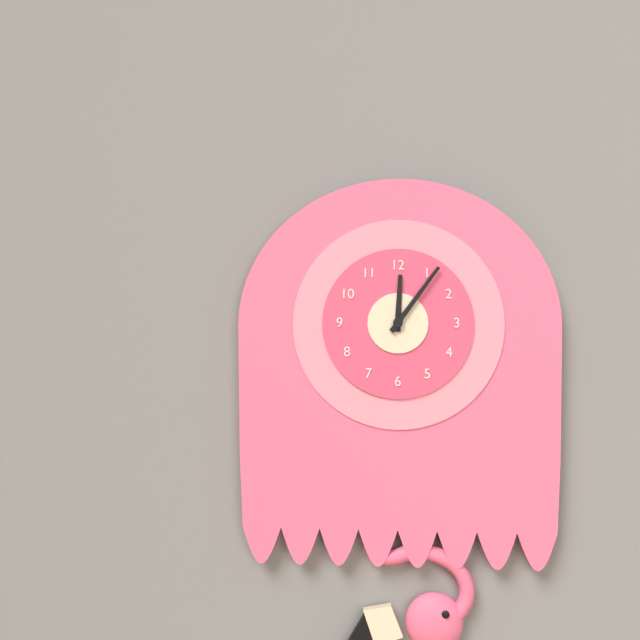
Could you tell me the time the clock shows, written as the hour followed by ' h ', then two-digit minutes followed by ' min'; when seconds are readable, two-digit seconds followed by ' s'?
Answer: 12 h 06 min
